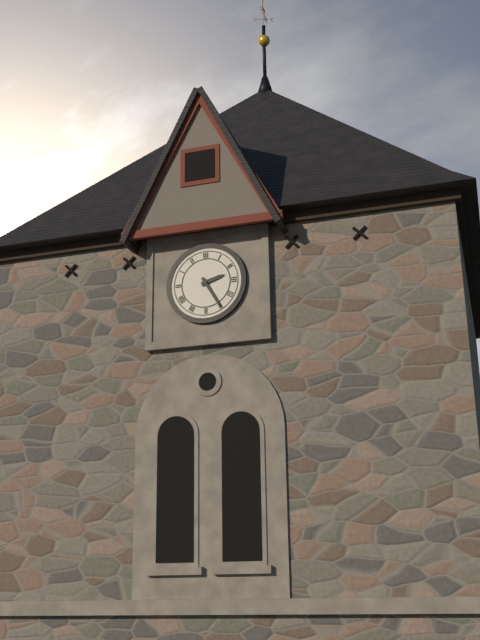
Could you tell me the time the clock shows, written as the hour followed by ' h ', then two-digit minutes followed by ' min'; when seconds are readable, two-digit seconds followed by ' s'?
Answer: 2 h 25 min
